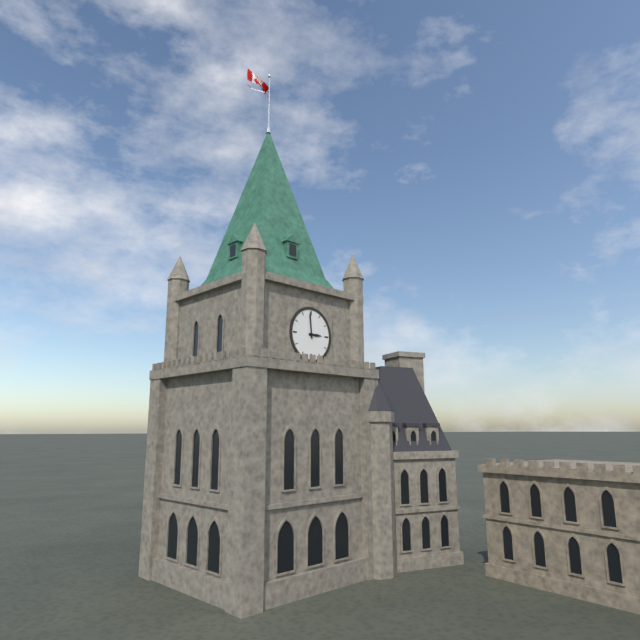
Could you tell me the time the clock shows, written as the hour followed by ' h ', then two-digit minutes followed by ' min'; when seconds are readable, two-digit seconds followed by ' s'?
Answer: 2 h 59 min
